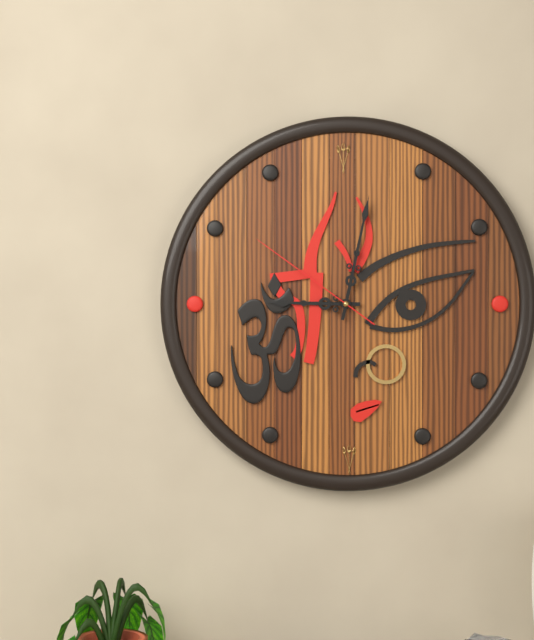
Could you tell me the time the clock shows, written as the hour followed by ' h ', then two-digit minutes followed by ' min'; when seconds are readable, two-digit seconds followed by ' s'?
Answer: 9 h 02 min 51 s
